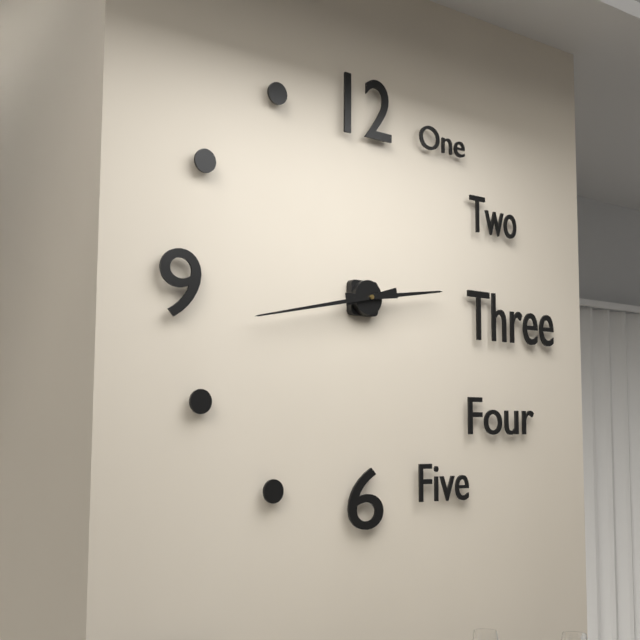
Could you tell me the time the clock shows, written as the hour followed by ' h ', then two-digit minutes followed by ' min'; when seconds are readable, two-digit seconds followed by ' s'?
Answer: 2 h 43 min
